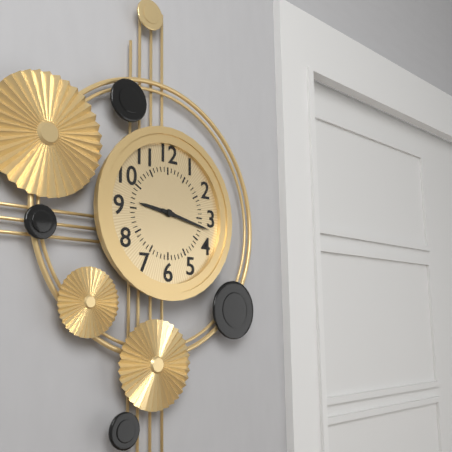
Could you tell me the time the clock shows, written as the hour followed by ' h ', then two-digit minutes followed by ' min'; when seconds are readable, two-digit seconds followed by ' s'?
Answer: 9 h 17 min
